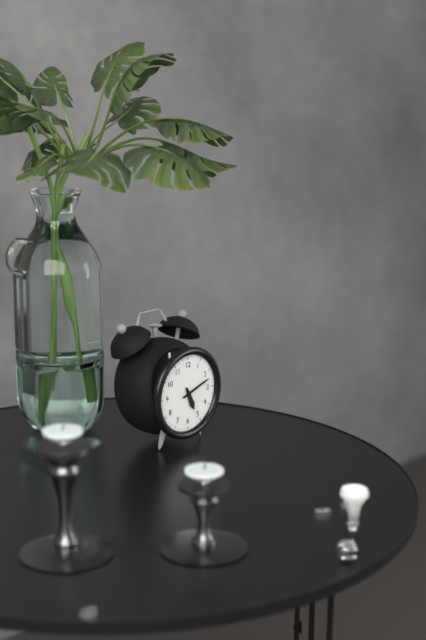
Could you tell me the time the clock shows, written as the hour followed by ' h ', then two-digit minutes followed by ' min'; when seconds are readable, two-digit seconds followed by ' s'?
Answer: 5 h 12 min
